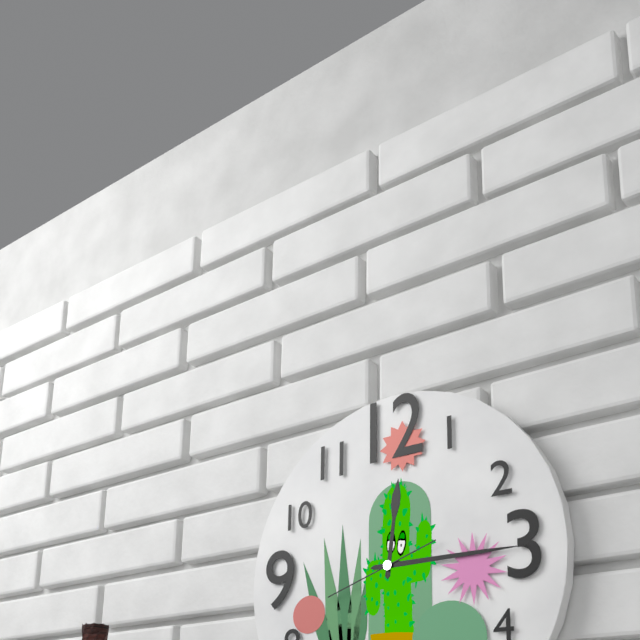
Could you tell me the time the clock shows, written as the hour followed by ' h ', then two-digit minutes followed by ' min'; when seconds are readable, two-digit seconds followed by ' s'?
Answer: 12 h 15 min 42 s
